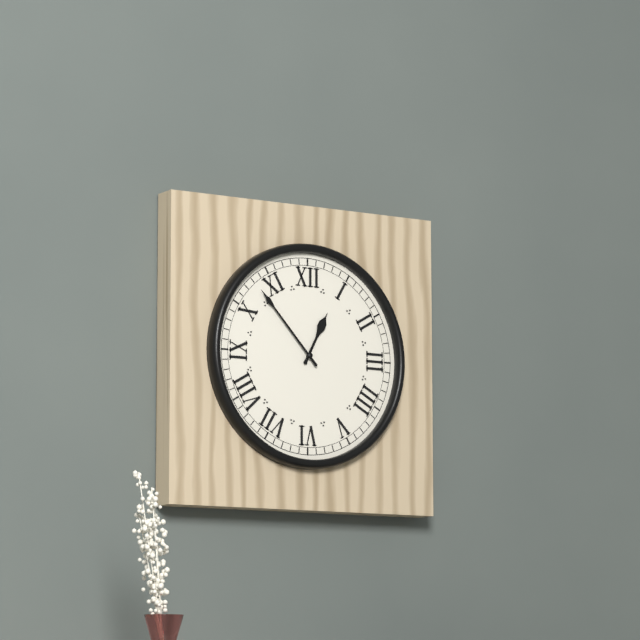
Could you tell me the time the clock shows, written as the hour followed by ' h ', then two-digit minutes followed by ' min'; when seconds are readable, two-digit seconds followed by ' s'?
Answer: 12 h 53 min
